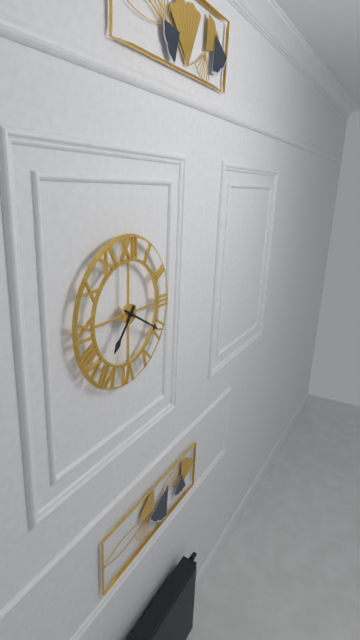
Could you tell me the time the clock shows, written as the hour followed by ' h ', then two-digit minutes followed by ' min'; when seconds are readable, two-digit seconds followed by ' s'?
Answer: 7 h 20 min
